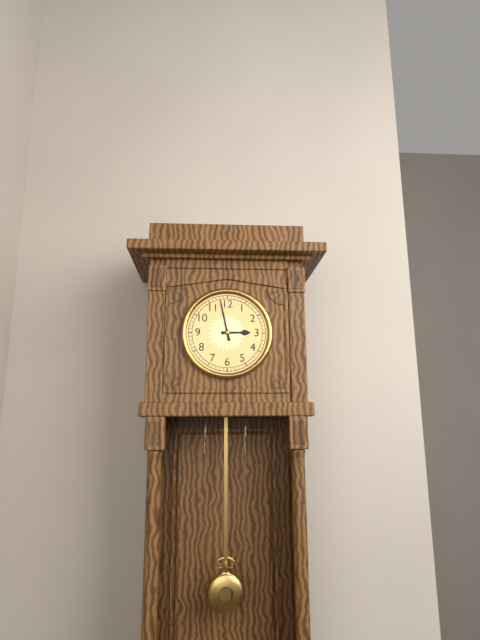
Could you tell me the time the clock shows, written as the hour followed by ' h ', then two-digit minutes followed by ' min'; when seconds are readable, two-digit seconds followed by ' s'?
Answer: 2 h 58 min
